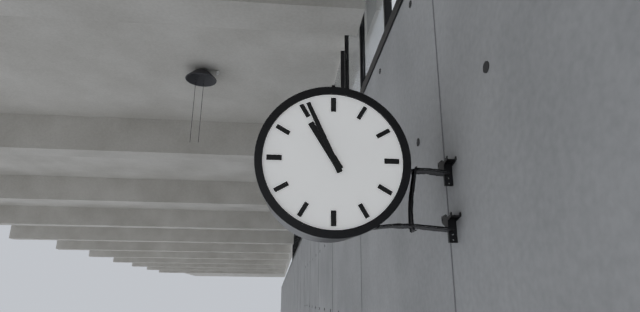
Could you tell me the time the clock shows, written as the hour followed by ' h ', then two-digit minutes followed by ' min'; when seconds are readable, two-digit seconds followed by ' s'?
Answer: 10 h 56 min
